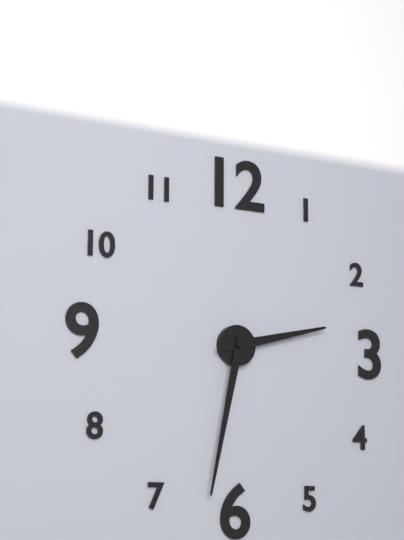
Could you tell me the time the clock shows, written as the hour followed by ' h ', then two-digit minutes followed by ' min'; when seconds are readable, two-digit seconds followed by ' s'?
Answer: 2 h 32 min
